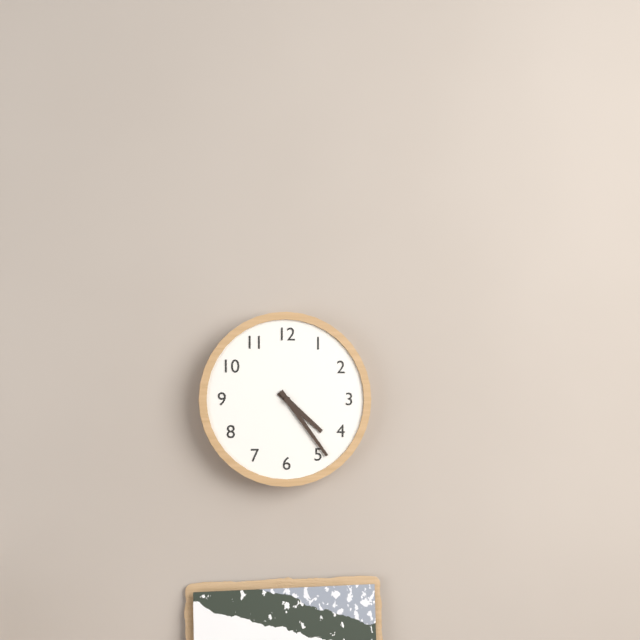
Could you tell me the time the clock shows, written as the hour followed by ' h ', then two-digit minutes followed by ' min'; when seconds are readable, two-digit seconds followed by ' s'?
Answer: 4 h 24 min
